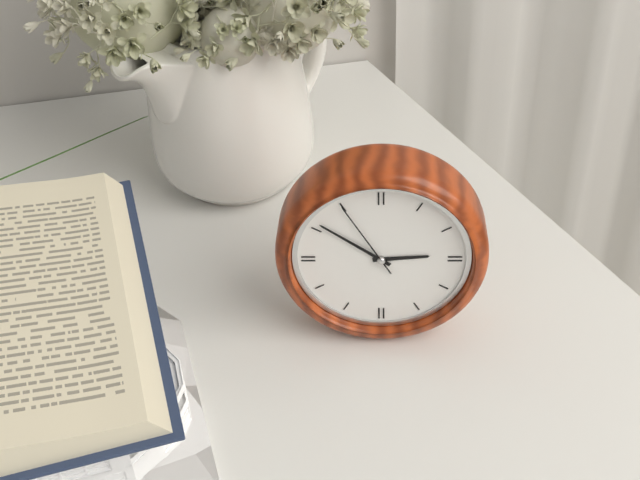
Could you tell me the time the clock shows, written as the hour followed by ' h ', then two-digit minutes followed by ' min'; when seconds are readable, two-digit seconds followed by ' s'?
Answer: 2 h 51 min 55 s
